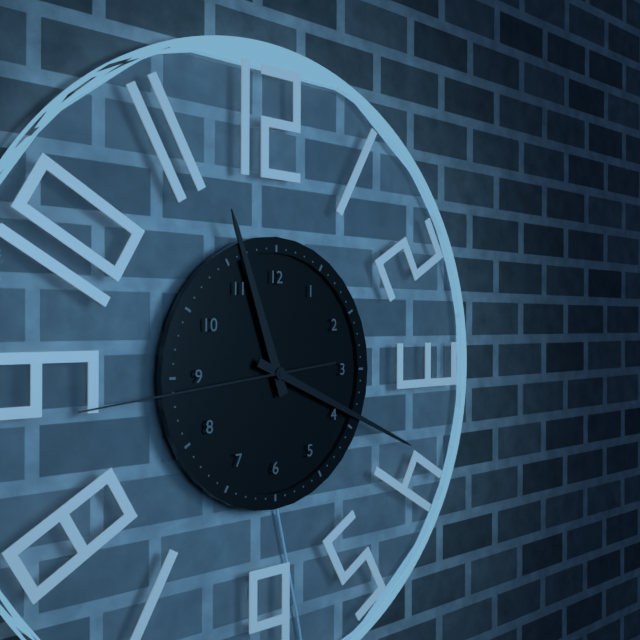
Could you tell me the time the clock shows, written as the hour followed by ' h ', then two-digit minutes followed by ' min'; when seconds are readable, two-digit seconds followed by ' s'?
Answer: 11 h 19 min 44 s
